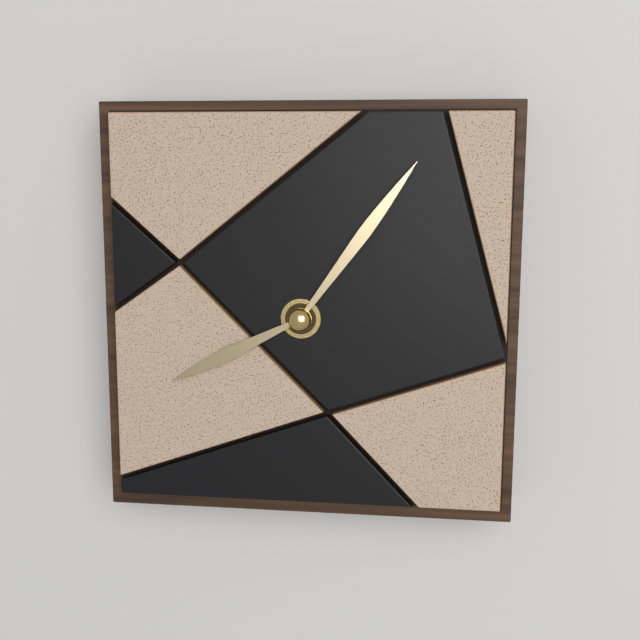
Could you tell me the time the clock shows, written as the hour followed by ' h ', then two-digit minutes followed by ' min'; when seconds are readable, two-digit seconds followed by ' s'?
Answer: 8 h 06 min
